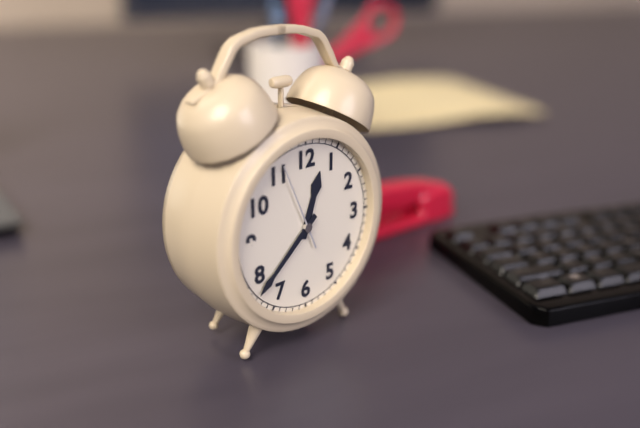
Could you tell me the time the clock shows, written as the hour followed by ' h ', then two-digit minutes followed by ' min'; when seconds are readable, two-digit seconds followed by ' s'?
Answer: 12 h 38 min 56 s
